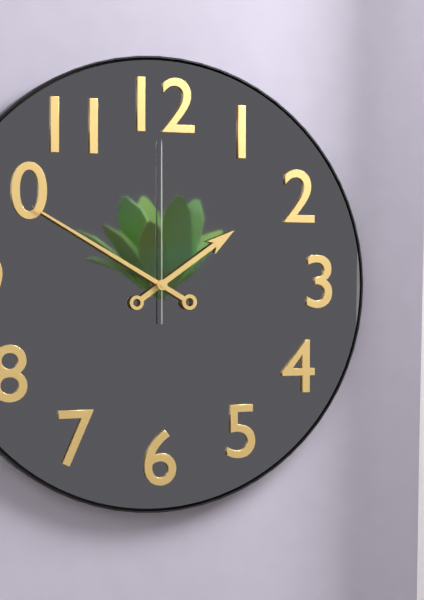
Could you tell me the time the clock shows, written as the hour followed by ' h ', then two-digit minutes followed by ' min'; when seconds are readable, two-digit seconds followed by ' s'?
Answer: 1 h 50 min 00 s
